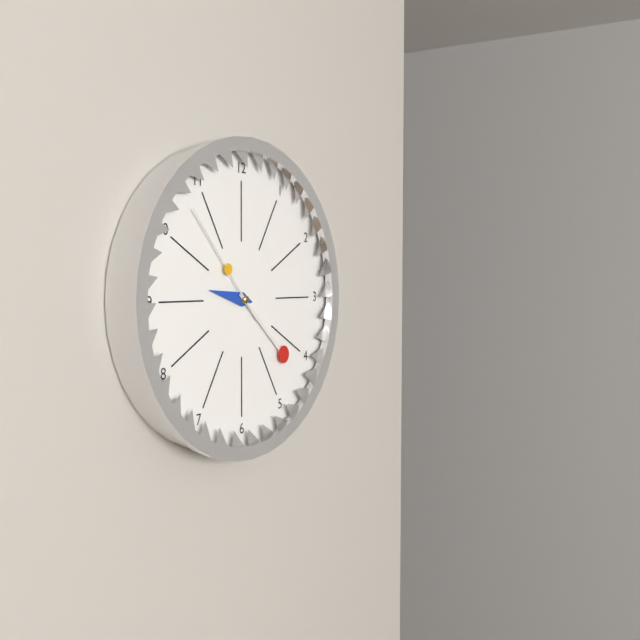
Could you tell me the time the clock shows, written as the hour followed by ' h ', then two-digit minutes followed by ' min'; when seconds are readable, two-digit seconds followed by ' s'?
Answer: 9 h 22 min 53 s
